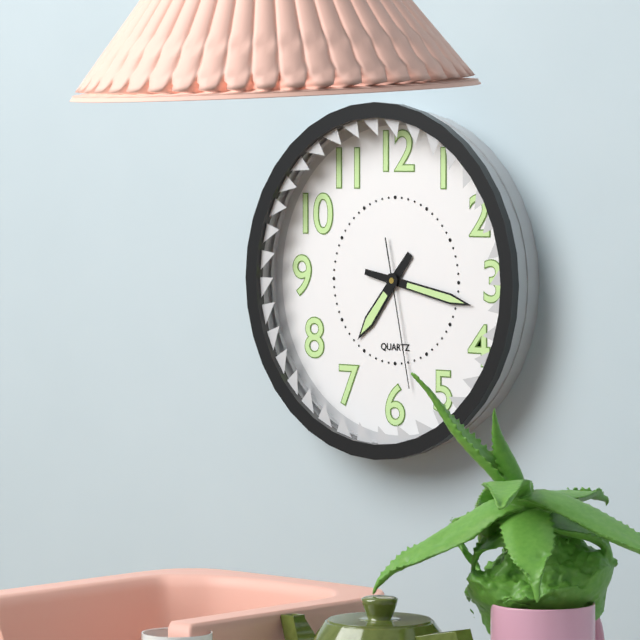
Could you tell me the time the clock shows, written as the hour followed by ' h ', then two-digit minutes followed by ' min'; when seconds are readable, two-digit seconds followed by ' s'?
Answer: 7 h 17 min 28 s
